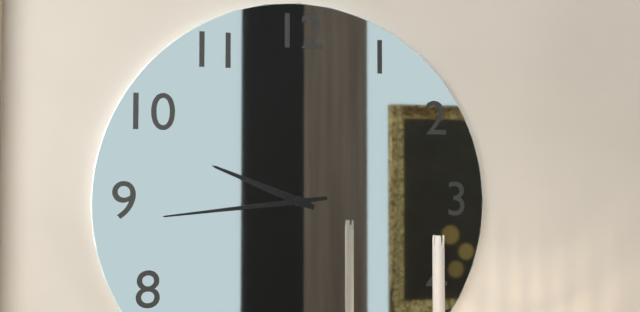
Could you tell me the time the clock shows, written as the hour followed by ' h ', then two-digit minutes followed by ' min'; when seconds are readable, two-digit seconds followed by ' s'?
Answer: 9 h 44 min
